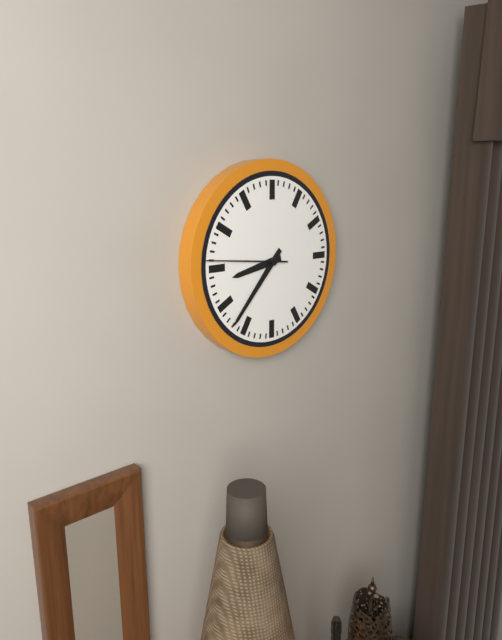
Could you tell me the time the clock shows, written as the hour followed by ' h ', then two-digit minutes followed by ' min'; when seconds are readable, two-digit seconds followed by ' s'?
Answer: 8 h 37 min 46 s
